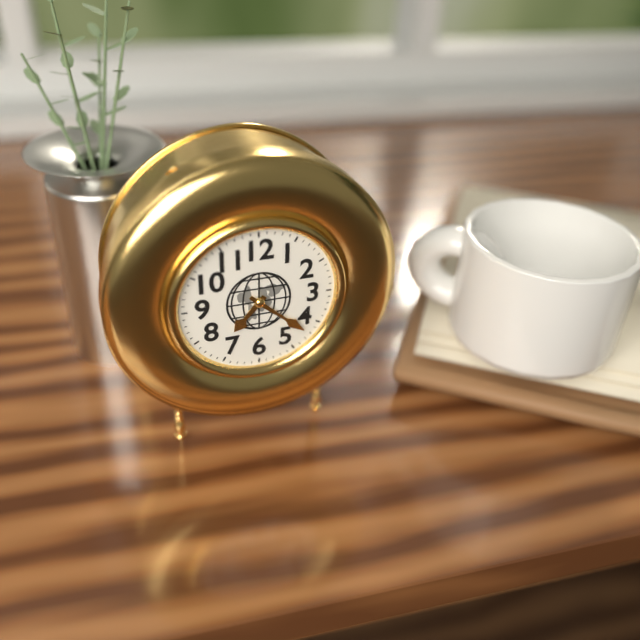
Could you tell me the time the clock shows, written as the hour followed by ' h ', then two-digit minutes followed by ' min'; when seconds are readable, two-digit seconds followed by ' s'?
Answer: 7 h 22 min
